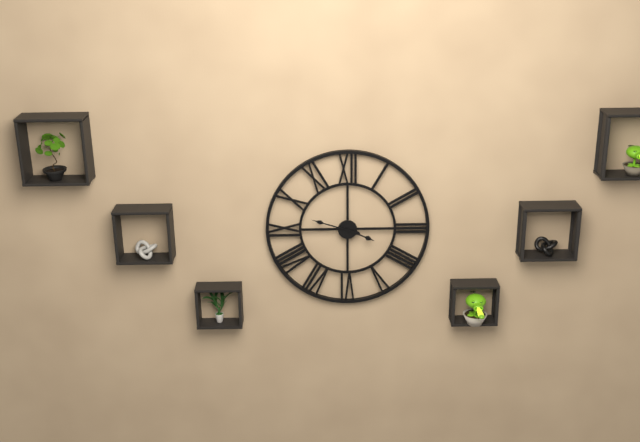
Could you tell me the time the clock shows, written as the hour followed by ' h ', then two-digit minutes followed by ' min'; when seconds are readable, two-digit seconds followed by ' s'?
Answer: 3 h 48 min
